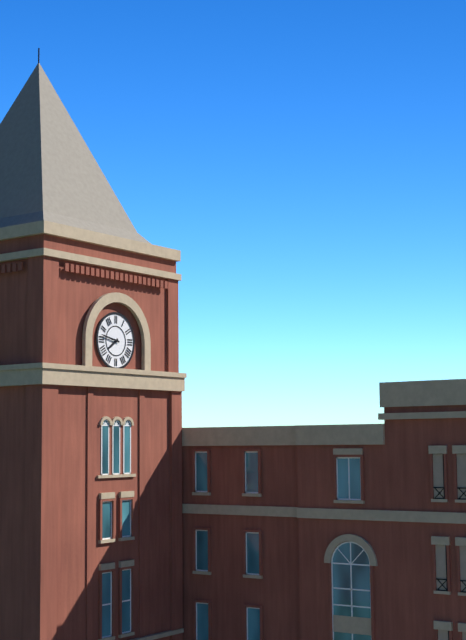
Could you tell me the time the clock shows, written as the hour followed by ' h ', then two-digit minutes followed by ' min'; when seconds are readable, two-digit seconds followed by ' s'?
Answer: 7 h 47 min
